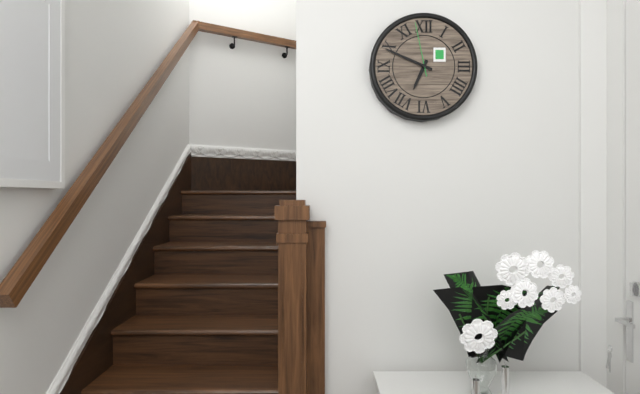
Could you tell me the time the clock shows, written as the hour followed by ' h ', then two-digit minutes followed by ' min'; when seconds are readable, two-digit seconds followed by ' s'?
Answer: 6 h 49 min 58 s
